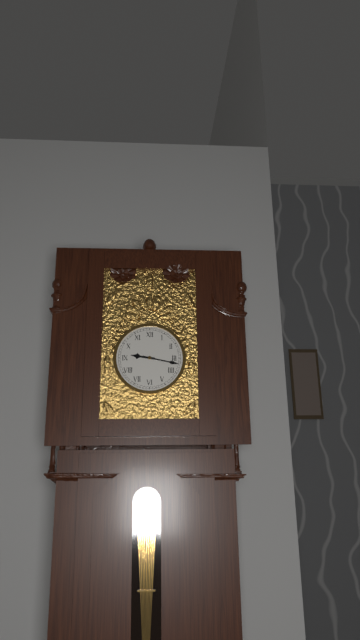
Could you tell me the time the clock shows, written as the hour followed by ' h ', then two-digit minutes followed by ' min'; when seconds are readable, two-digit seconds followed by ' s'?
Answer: 9 h 17 min
